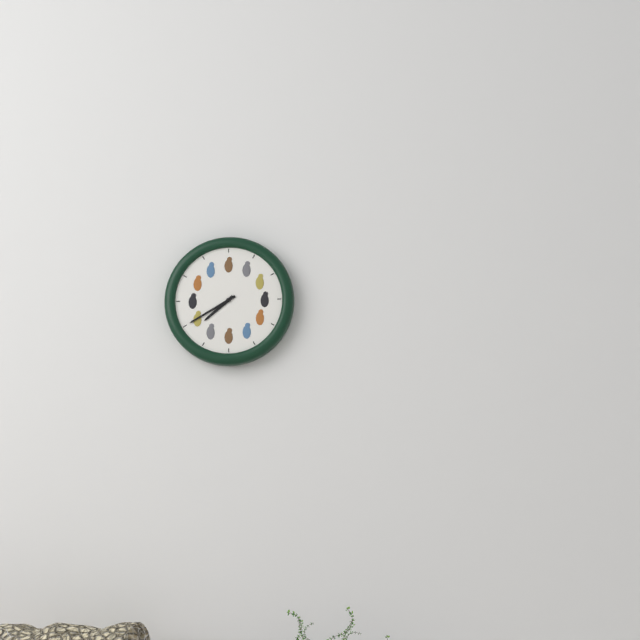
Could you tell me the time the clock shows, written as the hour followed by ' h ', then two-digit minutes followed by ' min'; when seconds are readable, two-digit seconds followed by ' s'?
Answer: 7 h 40 min
